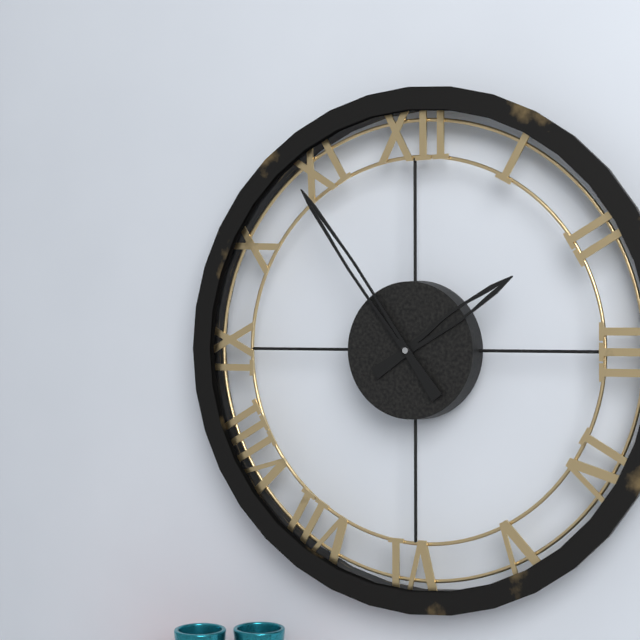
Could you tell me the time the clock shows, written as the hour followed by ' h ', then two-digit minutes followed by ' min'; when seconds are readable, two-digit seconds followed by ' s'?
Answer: 1 h 54 min
